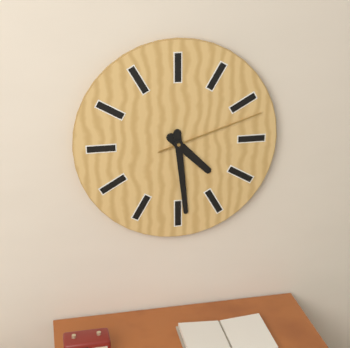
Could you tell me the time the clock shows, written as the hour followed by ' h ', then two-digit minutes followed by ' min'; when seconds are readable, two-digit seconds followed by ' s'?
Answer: 4 h 29 min 12 s
